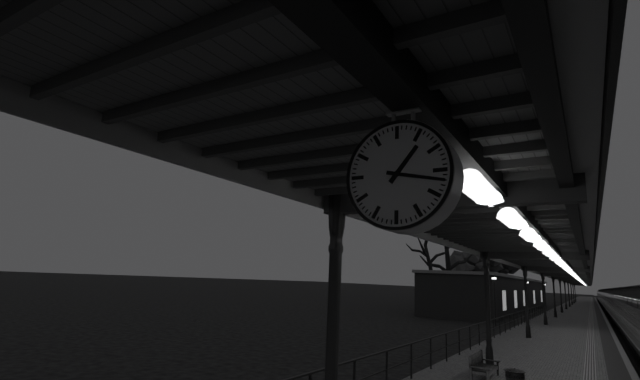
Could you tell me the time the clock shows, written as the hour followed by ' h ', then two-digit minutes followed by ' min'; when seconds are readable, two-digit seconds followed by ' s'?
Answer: 1 h 17 min
